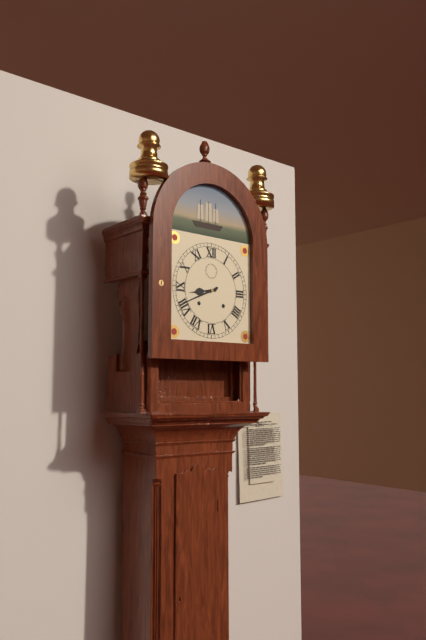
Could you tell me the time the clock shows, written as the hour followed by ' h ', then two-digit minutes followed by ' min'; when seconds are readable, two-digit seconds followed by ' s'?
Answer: 8 h 41 min
